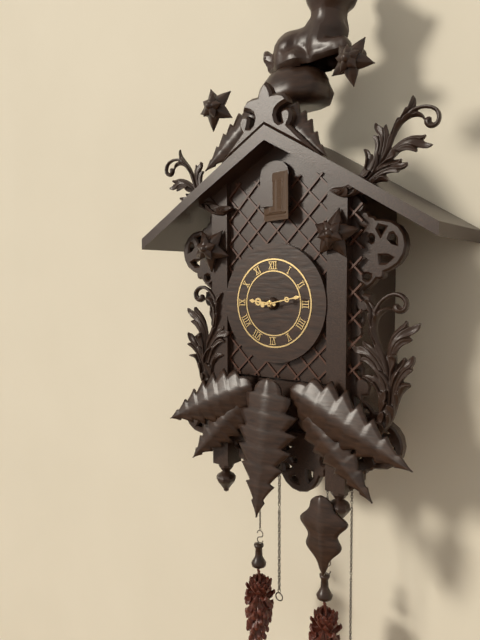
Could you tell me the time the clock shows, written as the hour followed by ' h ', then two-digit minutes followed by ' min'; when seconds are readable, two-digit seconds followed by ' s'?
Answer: 9 h 13 min
